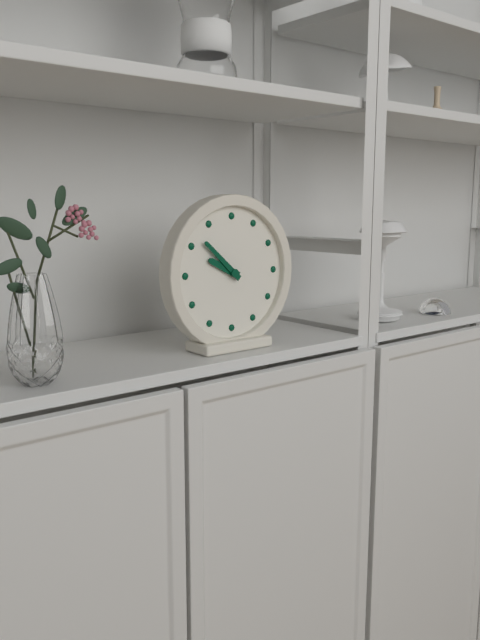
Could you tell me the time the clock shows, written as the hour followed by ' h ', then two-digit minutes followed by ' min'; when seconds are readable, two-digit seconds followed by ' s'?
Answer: 9 h 52 min
